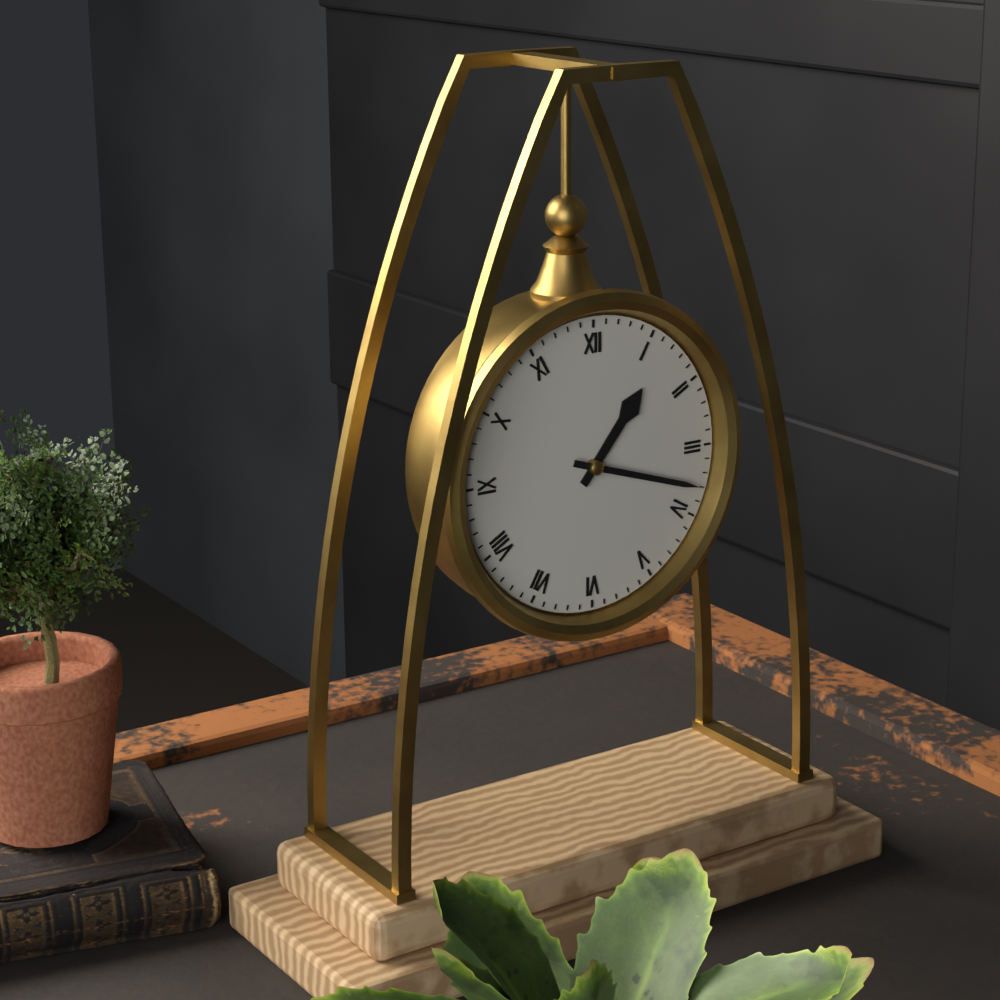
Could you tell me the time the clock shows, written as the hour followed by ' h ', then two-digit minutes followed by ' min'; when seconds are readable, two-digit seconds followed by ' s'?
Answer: 1 h 18 min
